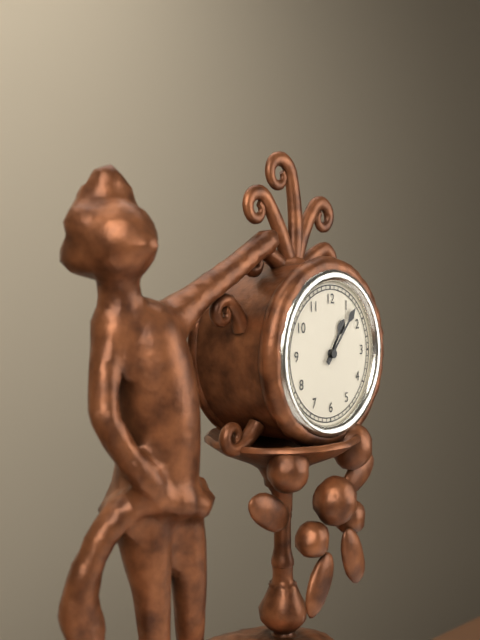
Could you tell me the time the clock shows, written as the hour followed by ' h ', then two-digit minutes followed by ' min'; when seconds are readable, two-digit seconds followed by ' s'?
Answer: 1 h 07 min
